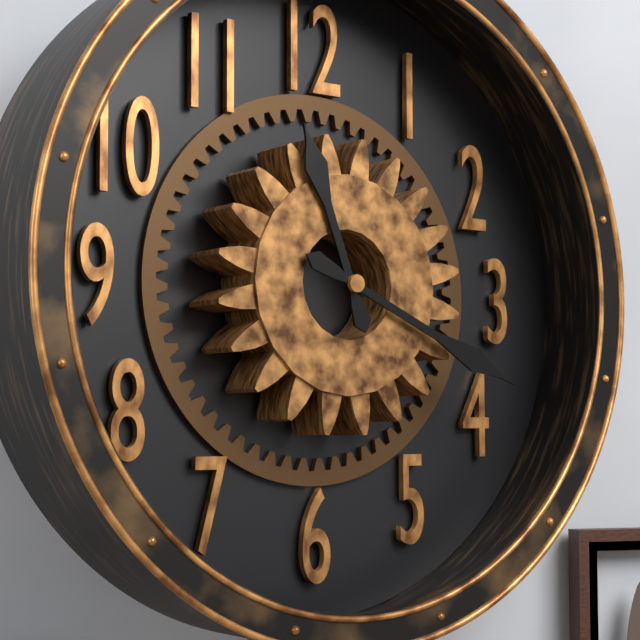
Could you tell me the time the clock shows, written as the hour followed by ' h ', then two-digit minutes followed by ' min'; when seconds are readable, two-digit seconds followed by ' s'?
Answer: 11 h 19 min
